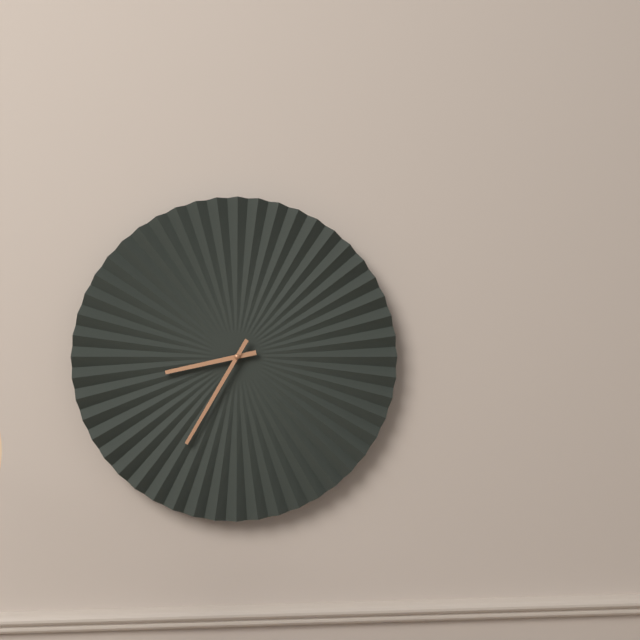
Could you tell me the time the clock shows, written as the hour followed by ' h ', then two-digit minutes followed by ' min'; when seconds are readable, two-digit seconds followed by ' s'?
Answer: 8 h 35 min
